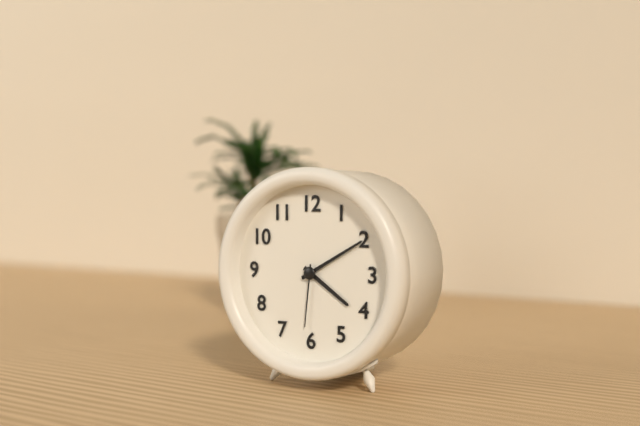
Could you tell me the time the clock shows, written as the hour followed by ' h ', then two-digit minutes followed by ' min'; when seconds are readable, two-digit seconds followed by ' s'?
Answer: 4 h 10 min 31 s
